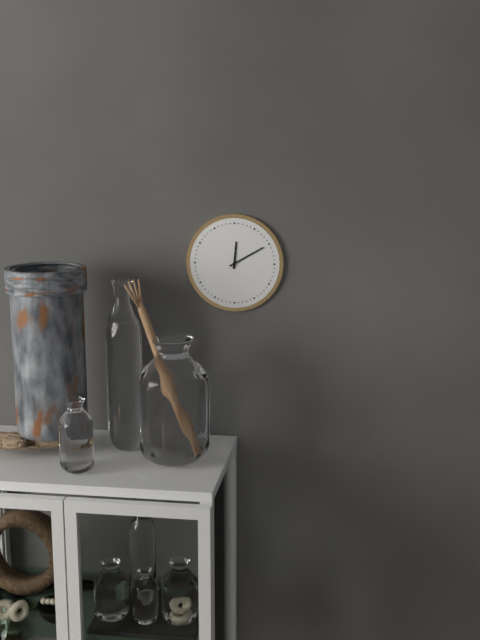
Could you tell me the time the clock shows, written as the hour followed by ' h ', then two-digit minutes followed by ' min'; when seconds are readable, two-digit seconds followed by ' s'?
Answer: 12 h 10 min
